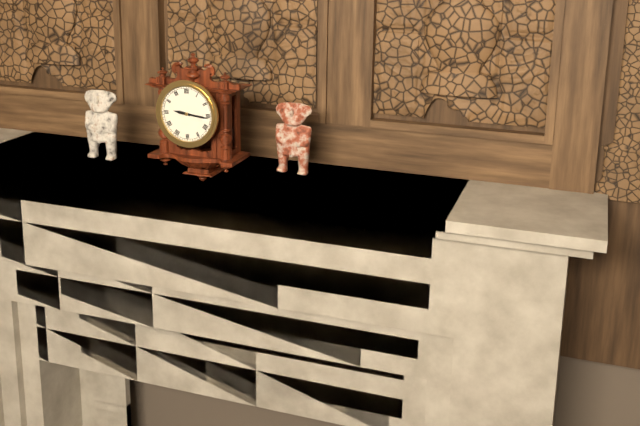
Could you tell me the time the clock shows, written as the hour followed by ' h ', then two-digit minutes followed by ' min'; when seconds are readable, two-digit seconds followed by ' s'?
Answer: 9 h 16 min
